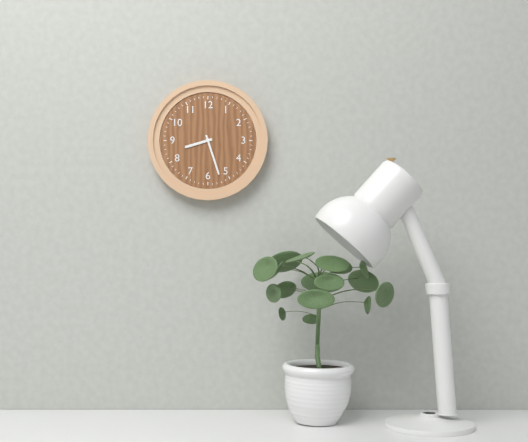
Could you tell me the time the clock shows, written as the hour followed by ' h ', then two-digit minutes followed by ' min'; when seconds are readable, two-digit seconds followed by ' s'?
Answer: 8 h 27 min
